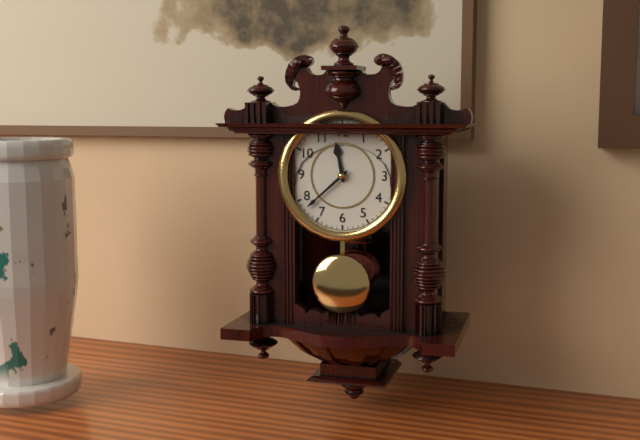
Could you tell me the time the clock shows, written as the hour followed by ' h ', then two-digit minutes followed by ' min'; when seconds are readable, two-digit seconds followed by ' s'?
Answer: 11 h 38 min
